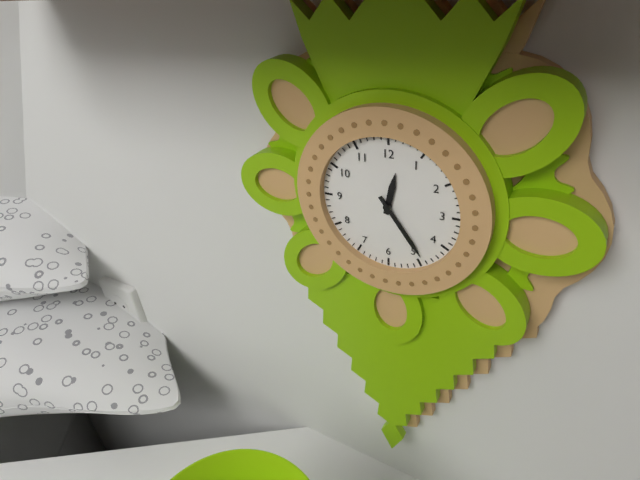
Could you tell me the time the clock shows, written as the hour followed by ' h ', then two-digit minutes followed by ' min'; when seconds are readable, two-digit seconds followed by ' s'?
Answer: 12 h 24 min
